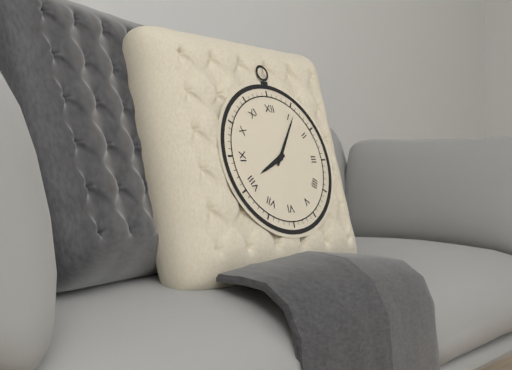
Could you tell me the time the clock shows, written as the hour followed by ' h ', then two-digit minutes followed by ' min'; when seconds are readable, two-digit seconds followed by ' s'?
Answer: 8 h 06 min
